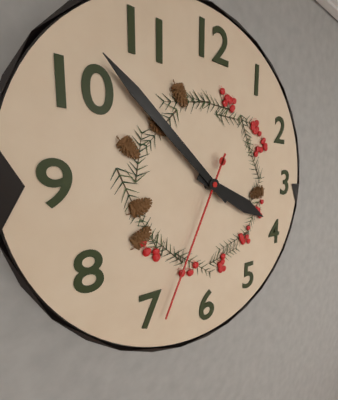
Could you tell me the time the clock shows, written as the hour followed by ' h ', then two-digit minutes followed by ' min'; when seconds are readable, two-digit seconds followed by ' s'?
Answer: 3 h 52 min 34 s
